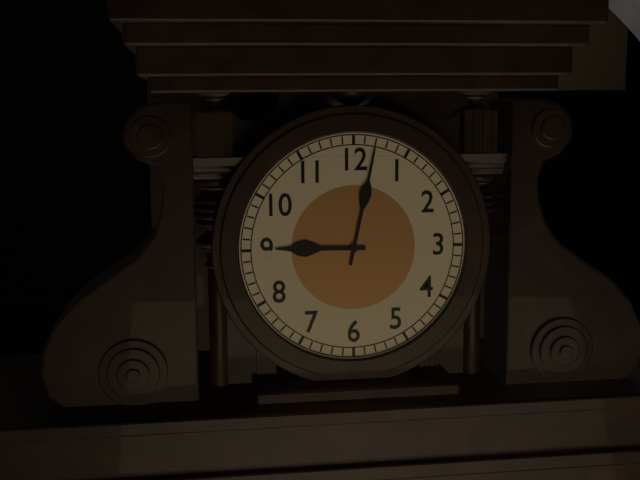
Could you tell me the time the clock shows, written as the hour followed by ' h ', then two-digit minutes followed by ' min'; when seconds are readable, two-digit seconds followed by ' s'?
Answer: 9 h 02 min
